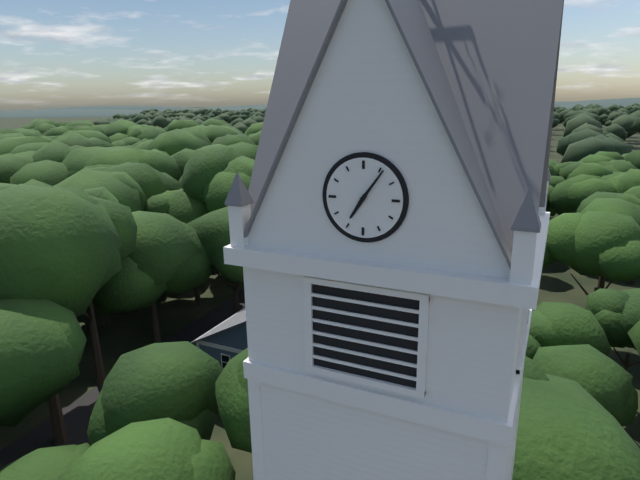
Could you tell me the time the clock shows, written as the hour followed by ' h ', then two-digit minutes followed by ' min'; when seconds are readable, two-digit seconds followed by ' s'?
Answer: 7 h 06 min
